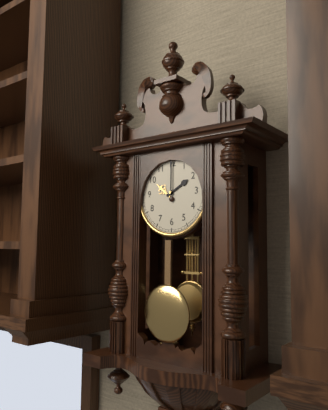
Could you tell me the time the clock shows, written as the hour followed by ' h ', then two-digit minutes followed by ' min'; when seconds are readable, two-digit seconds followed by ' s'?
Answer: 2 h 00 min
